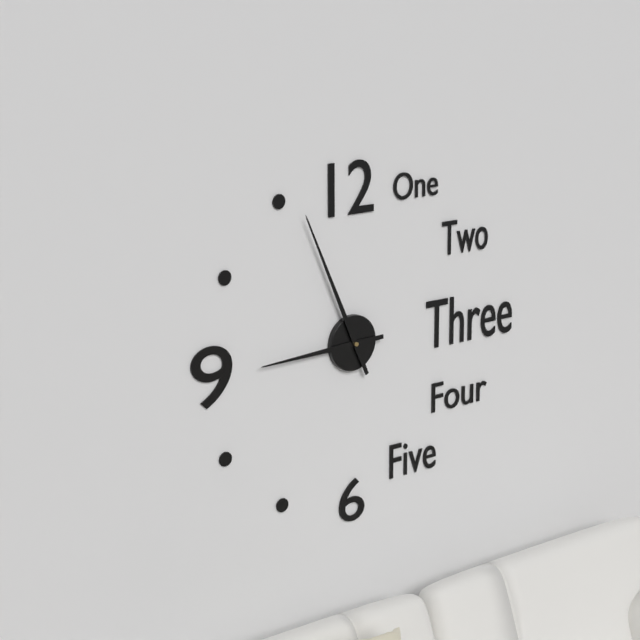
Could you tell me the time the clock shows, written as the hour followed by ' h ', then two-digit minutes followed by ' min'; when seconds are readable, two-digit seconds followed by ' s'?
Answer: 8 h 56 min
